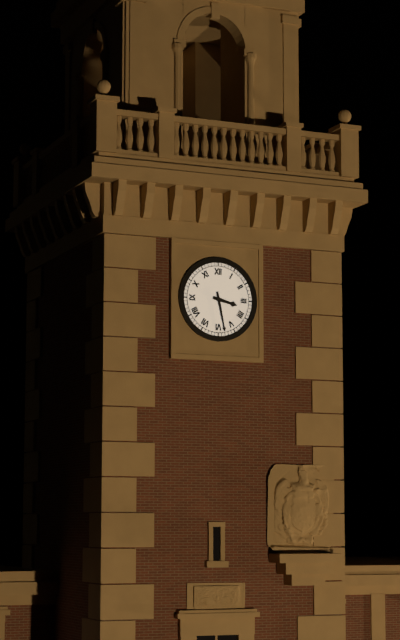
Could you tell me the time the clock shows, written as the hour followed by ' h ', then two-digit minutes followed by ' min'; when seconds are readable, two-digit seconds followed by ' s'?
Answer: 3 h 28 min
